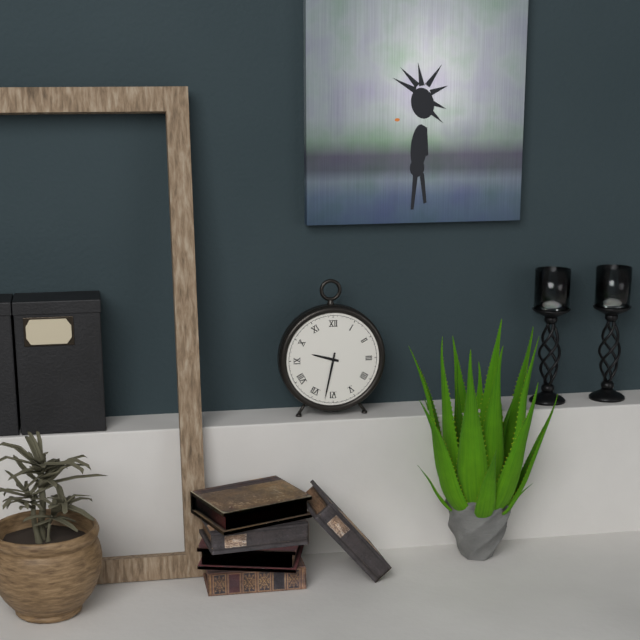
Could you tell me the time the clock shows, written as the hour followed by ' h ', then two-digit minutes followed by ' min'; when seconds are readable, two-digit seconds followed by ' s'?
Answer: 9 h 32 min
